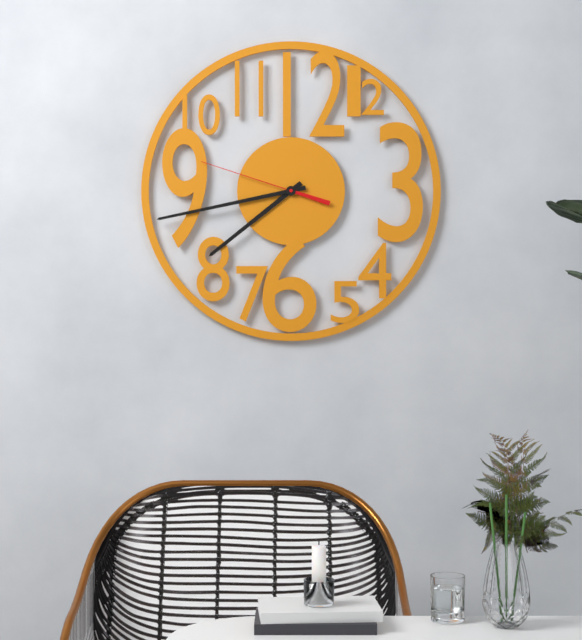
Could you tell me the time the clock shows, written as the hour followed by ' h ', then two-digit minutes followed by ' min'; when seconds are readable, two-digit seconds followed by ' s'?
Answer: 7 h 43 min 48 s
